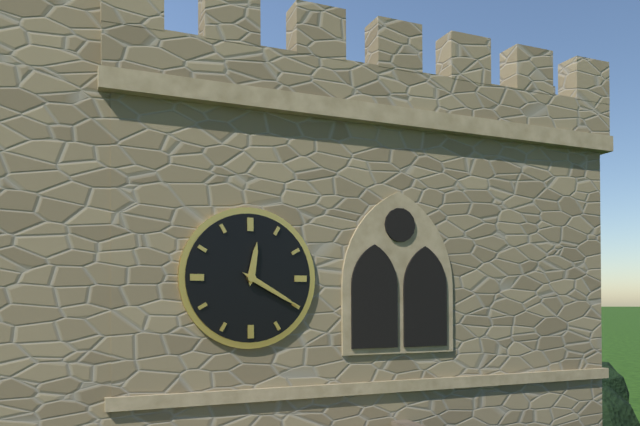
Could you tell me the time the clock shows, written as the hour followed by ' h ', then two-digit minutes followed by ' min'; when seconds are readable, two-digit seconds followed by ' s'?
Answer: 12 h 20 min
